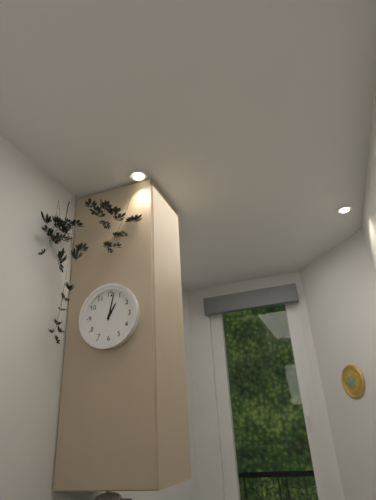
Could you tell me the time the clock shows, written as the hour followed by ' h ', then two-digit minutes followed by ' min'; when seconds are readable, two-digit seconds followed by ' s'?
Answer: 1 h 02 min
